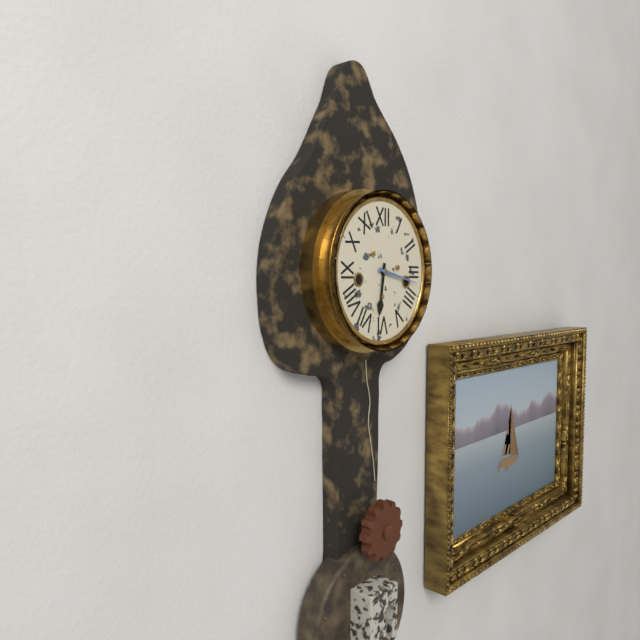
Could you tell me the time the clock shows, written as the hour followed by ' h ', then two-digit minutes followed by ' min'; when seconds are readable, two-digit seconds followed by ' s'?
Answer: 6 h 17 min
